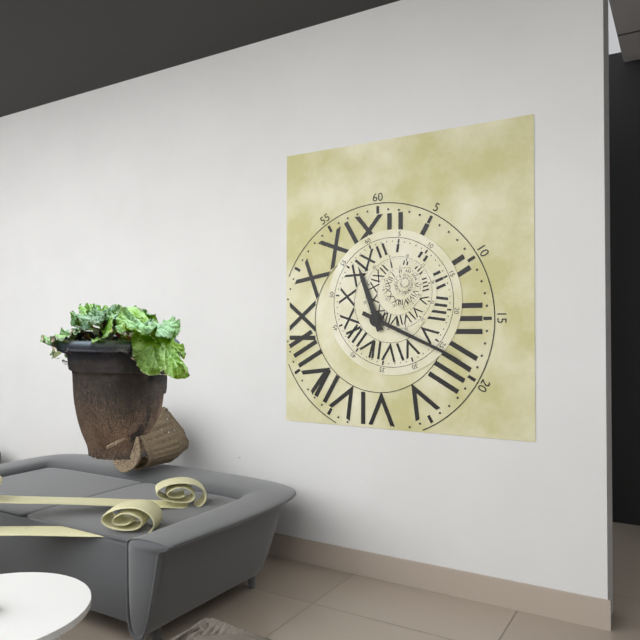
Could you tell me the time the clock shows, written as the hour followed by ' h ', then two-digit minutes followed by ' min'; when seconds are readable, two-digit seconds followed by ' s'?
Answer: 11 h 19 min
